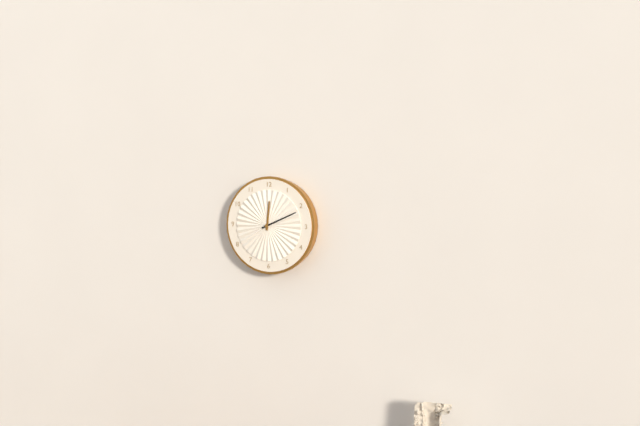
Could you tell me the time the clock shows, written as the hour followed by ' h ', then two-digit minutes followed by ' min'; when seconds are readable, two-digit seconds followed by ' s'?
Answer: 12 h 11 min
